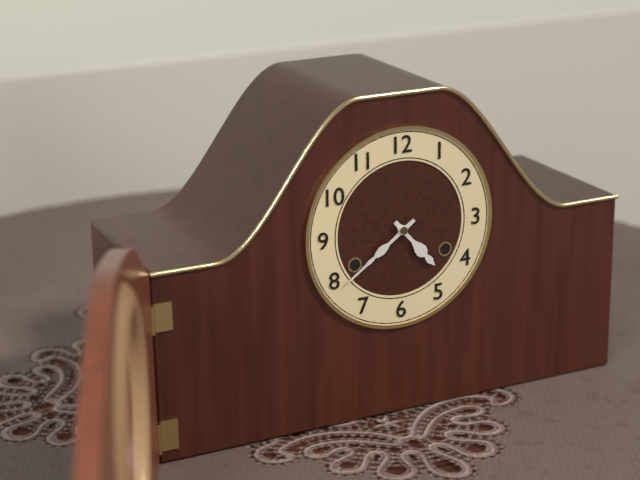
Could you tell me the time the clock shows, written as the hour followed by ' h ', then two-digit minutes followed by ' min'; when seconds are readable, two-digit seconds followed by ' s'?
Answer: 4 h 39 min
